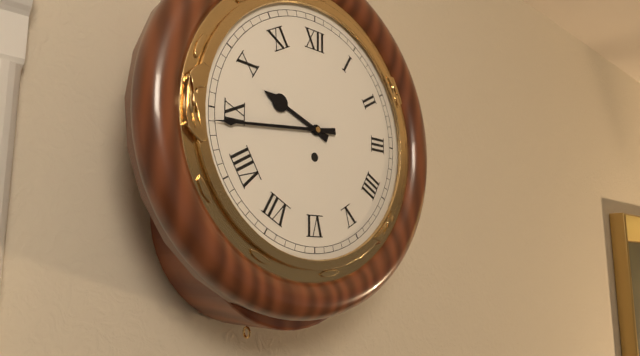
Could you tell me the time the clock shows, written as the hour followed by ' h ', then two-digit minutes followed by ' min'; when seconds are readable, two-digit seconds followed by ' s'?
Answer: 9 h 44 min
